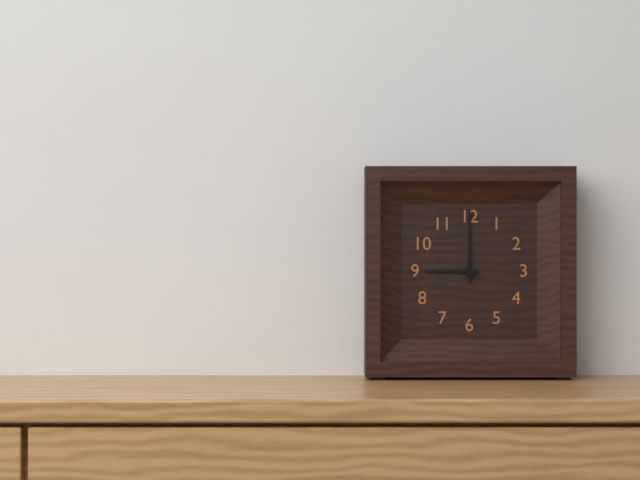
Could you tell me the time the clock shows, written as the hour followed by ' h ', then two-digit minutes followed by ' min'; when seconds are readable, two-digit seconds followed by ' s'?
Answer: 9 h 00 min
